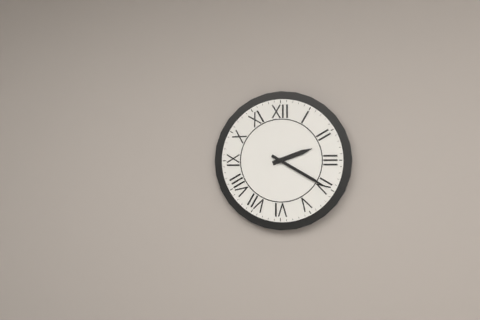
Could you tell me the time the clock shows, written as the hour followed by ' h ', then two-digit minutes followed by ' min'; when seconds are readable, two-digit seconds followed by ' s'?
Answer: 2 h 20 min
